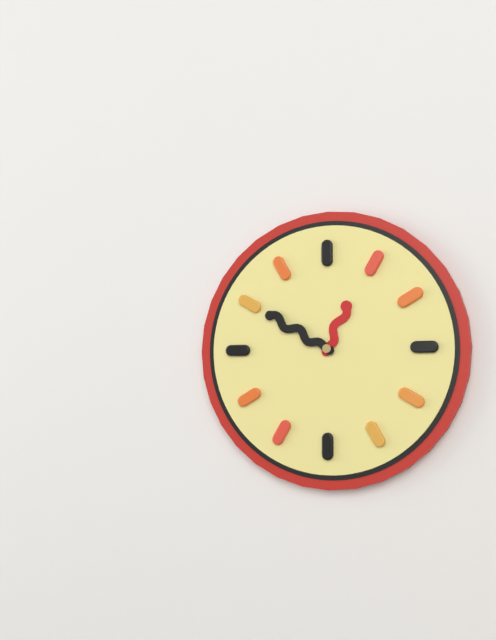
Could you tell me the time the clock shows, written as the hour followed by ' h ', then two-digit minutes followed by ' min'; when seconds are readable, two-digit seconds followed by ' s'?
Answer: 12 h 50 min
